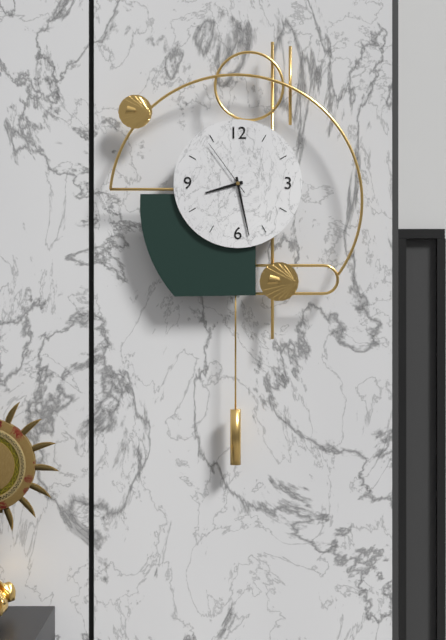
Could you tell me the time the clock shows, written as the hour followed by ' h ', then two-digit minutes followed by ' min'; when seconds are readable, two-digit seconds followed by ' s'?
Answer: 8 h 28 min 54 s
